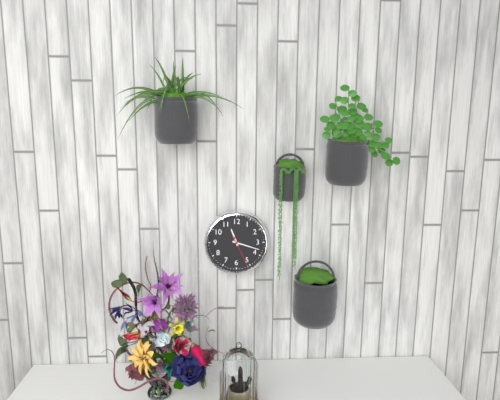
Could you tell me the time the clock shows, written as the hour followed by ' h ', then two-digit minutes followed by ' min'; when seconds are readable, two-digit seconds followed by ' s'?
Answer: 11 h 18 min
